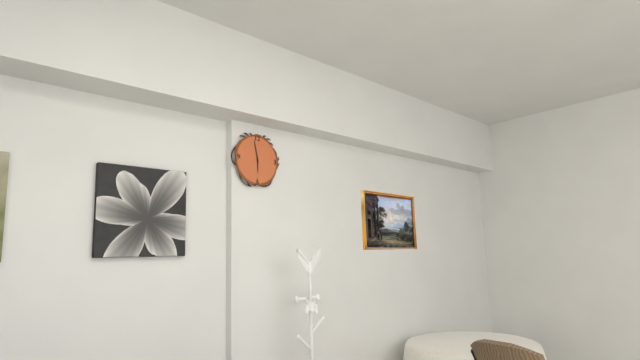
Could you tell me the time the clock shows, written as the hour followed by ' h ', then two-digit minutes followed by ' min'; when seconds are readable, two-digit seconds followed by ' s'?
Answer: 5 h 58 min
